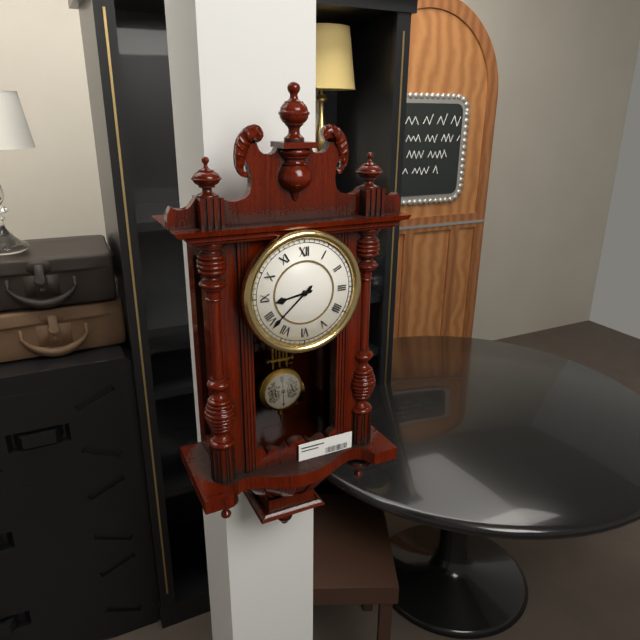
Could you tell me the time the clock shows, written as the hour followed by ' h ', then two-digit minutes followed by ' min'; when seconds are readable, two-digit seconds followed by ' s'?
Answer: 8 h 38 min
